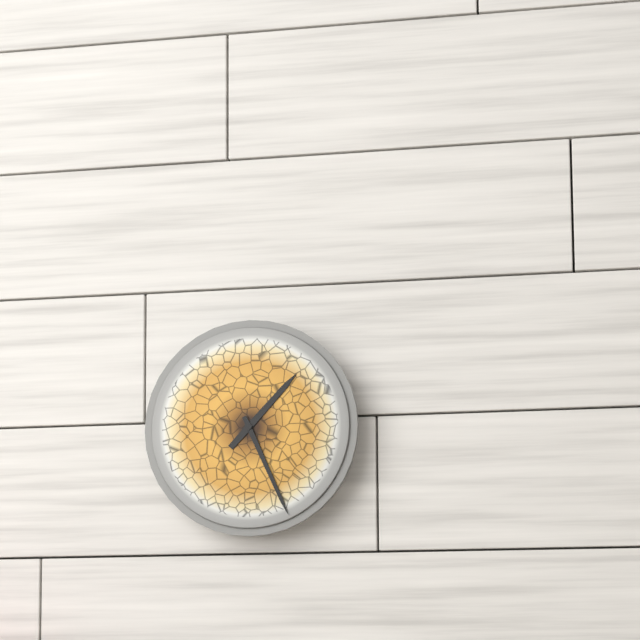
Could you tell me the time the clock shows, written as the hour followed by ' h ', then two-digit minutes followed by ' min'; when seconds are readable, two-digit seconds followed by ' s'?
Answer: 1 h 26 min
